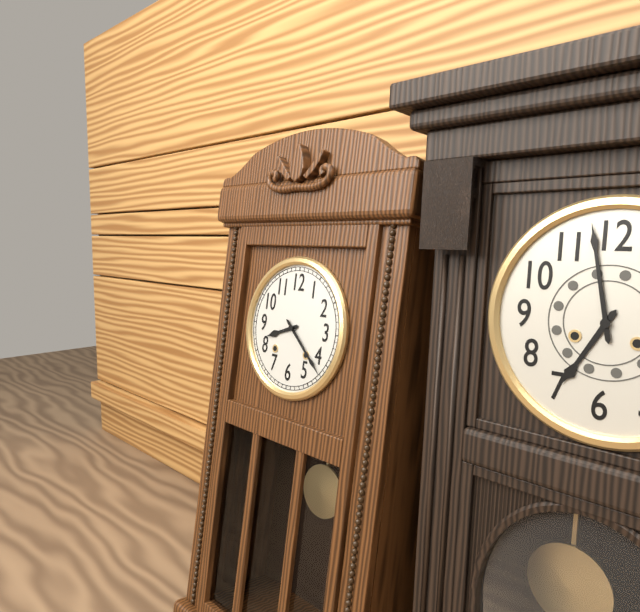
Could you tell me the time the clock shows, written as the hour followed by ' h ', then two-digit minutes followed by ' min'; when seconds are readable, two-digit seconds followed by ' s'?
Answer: 8 h 22 min
